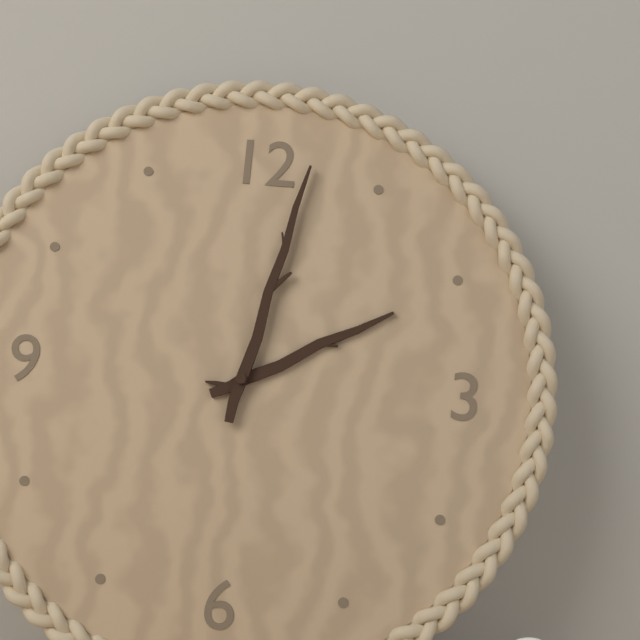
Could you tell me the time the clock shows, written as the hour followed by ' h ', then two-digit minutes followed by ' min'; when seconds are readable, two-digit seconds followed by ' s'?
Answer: 2 h 02 min
